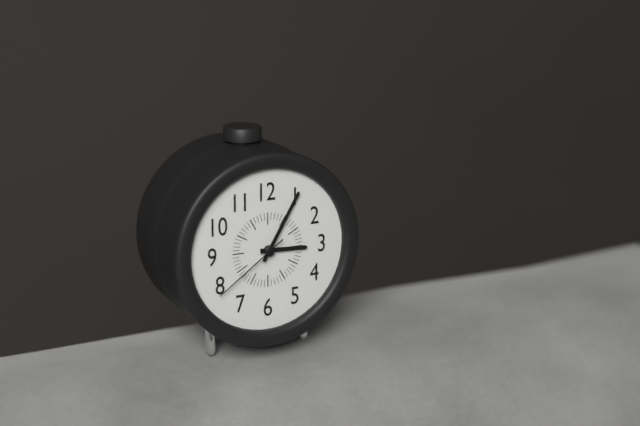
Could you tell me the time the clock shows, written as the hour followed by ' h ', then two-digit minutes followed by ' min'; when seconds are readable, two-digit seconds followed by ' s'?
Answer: 3 h 05 min 39 s
